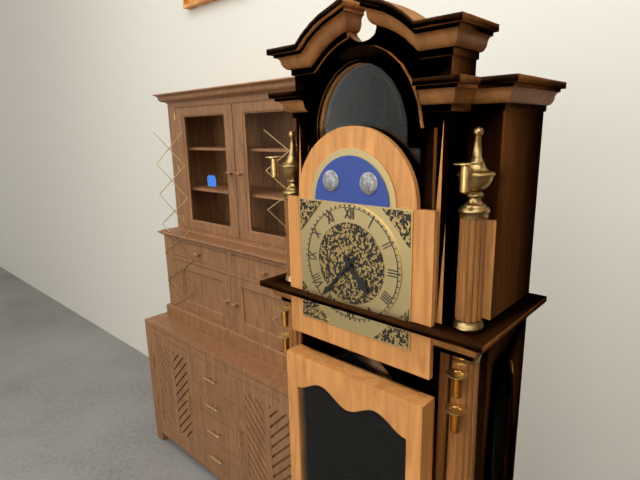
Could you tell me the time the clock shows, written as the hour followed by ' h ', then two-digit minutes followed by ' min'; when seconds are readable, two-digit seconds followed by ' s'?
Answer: 4 h 37 min
